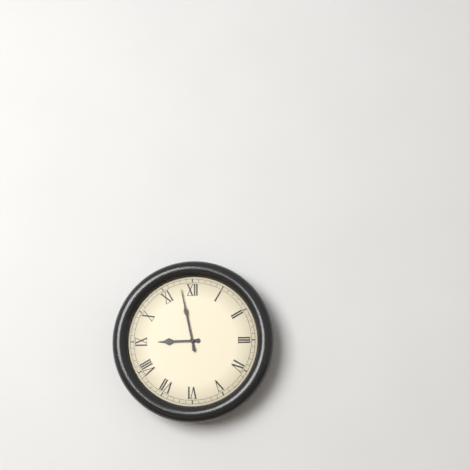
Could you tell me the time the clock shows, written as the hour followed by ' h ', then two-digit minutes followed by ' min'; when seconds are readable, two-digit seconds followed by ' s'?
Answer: 8 h 58 min
